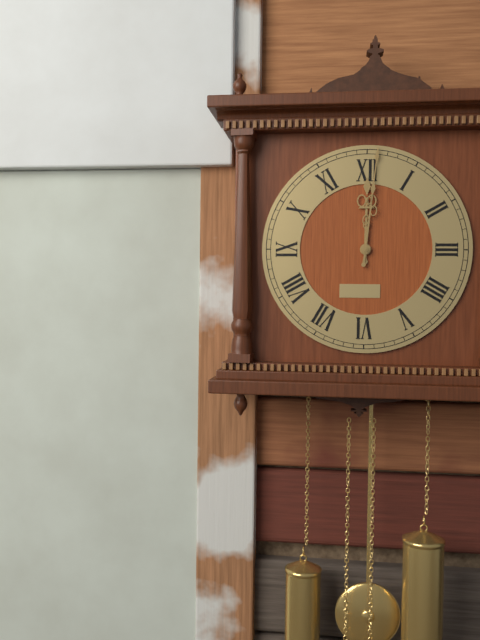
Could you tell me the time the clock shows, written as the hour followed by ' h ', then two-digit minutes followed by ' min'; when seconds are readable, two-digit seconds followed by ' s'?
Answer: 12 h 01 min
